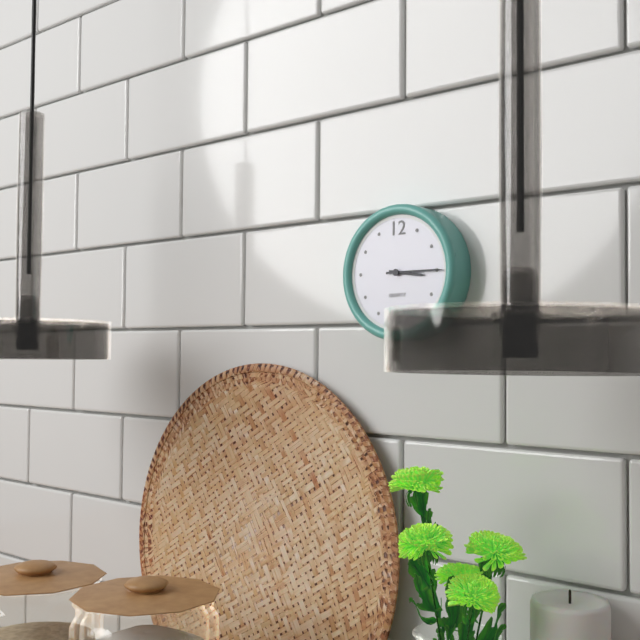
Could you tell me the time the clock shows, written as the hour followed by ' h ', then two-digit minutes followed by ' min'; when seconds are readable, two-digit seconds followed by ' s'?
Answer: 3 h 15 min
